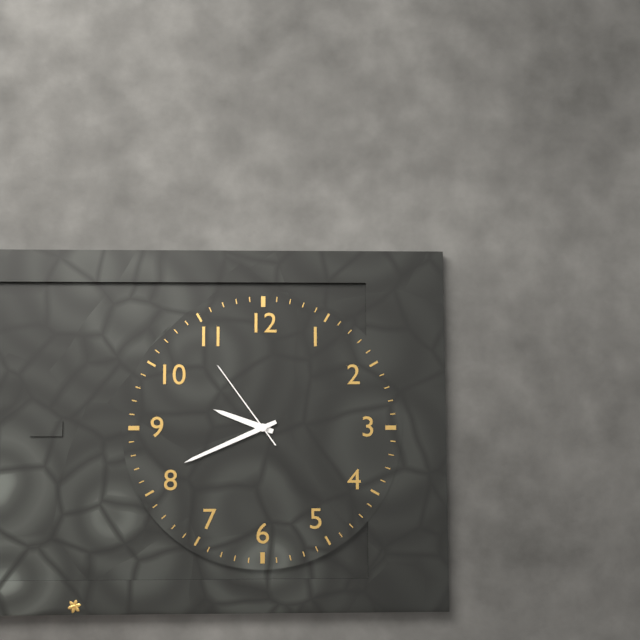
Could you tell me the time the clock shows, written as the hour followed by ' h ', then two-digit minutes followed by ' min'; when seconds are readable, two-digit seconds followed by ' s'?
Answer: 9 h 41 min 54 s
